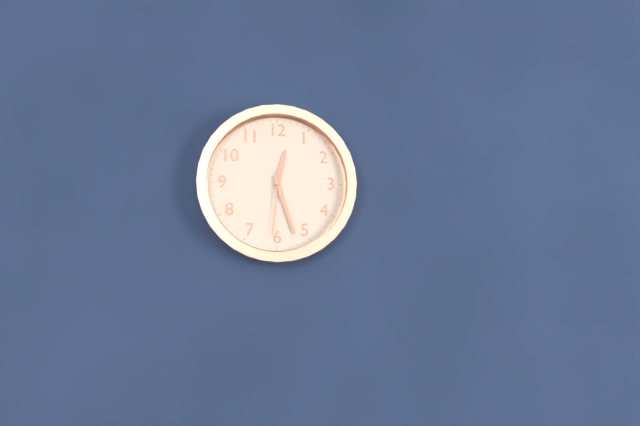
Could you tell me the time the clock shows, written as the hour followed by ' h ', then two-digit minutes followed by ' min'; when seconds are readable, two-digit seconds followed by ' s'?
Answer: 12 h 27 min 31 s
